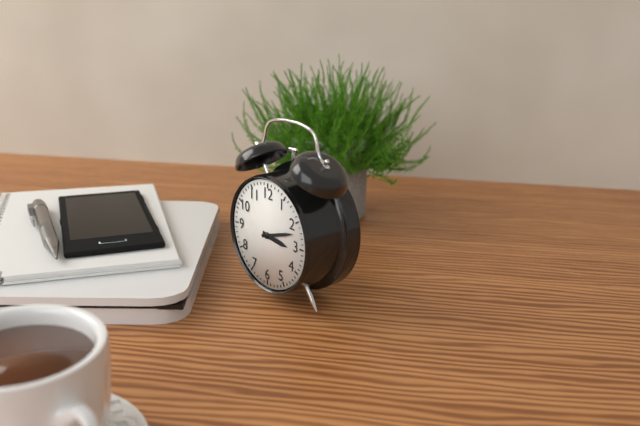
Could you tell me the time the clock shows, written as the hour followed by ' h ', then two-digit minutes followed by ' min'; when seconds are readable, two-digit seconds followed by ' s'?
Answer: 3 h 12 min
